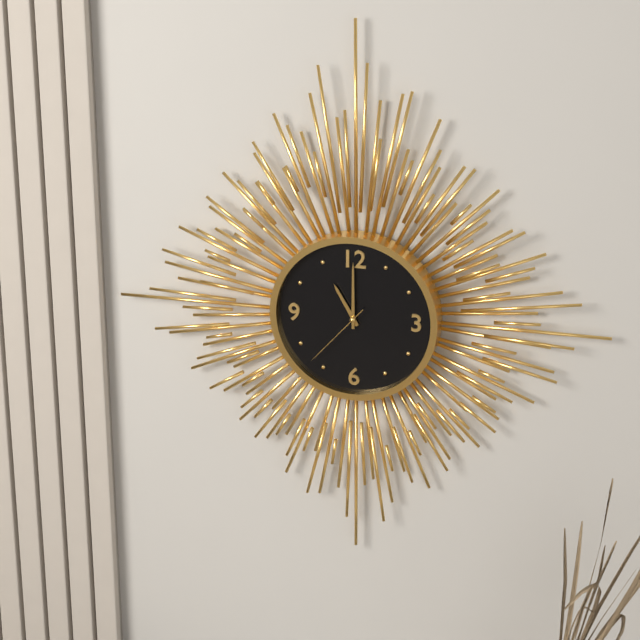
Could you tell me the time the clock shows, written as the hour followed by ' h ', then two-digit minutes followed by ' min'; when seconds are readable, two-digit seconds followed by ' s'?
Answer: 11 h 00 min 37 s
